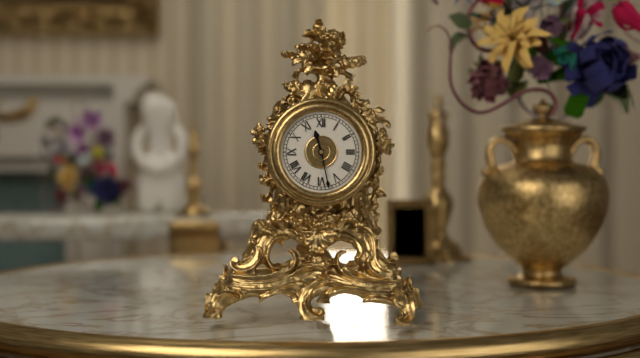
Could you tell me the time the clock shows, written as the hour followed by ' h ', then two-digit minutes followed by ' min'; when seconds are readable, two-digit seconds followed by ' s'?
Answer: 11 h 28 min
